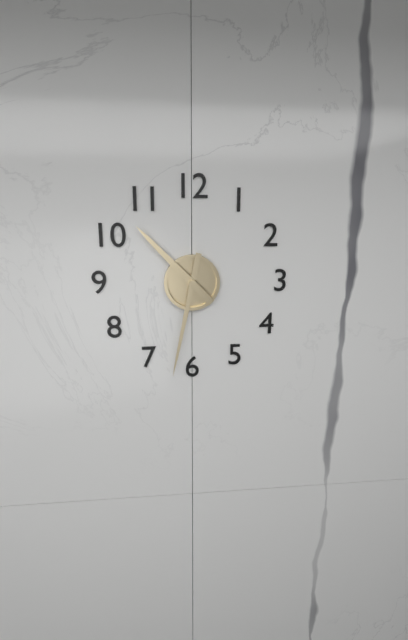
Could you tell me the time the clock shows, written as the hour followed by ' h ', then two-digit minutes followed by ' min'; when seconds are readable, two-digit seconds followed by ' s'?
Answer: 10 h 32 min
